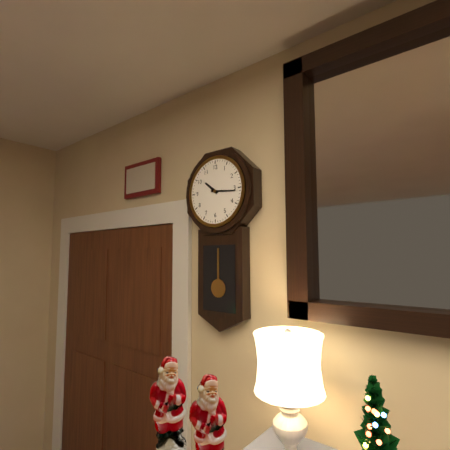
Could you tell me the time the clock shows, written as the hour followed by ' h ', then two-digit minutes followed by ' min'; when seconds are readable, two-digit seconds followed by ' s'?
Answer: 10 h 16 min
